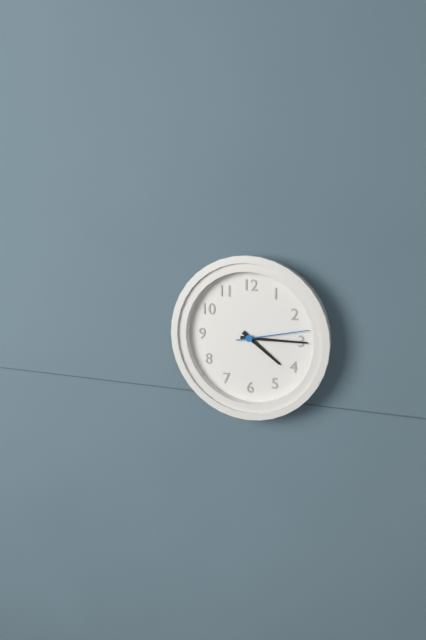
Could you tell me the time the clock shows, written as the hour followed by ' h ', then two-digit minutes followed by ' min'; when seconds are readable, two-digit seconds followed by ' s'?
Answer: 4 h 15 min 13 s
